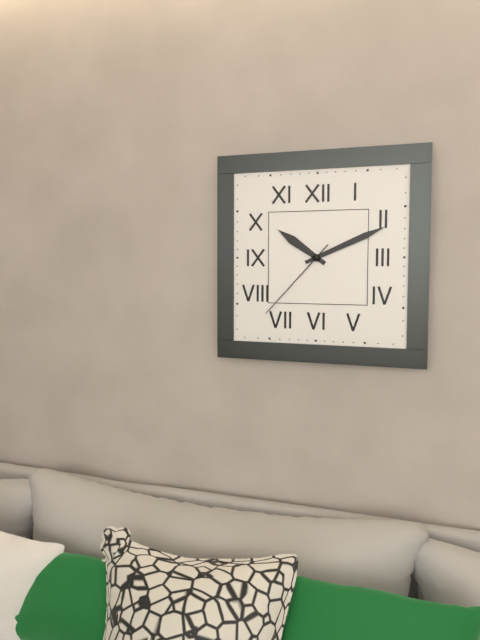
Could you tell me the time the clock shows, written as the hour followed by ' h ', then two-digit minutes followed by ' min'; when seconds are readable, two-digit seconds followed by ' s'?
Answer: 10 h 11 min 37 s
